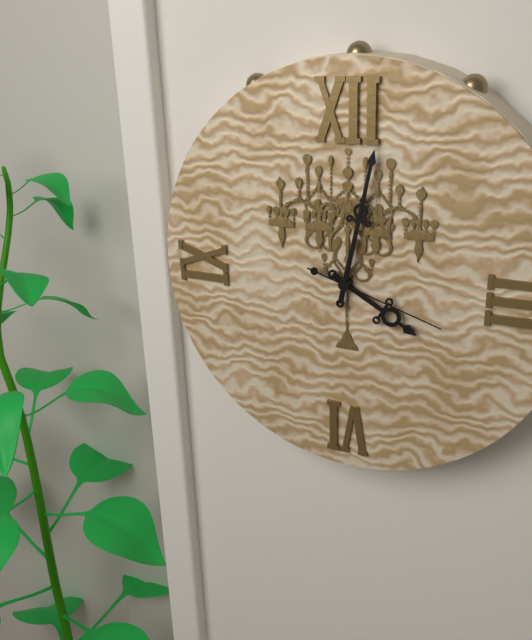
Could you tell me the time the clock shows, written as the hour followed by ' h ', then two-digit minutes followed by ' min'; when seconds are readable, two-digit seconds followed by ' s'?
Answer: 4 h 02 min 18 s
